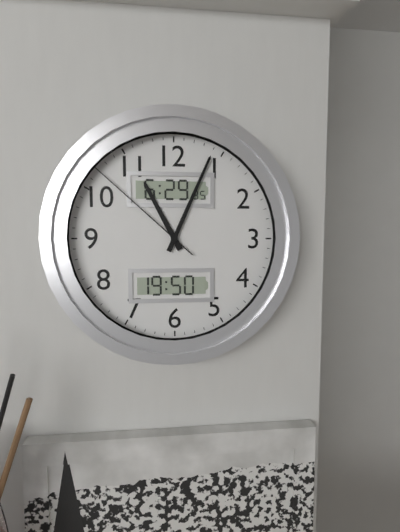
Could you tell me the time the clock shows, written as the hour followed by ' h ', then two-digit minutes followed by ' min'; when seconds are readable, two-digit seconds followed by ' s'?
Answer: 11 h 04 min 52 s
